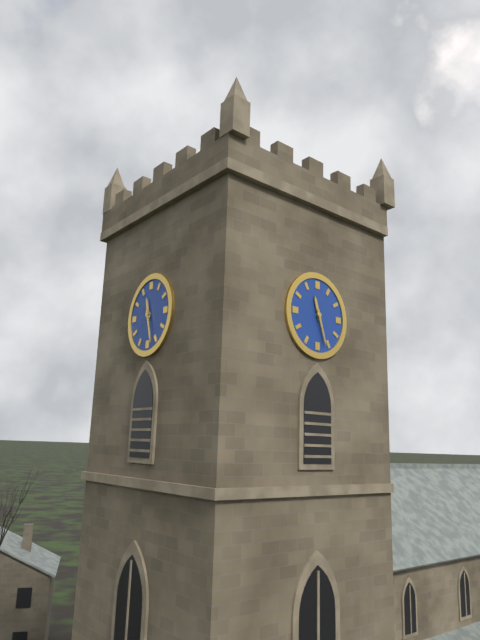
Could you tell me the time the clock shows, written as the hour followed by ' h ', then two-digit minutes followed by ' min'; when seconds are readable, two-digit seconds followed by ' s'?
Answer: 11 h 27 min
